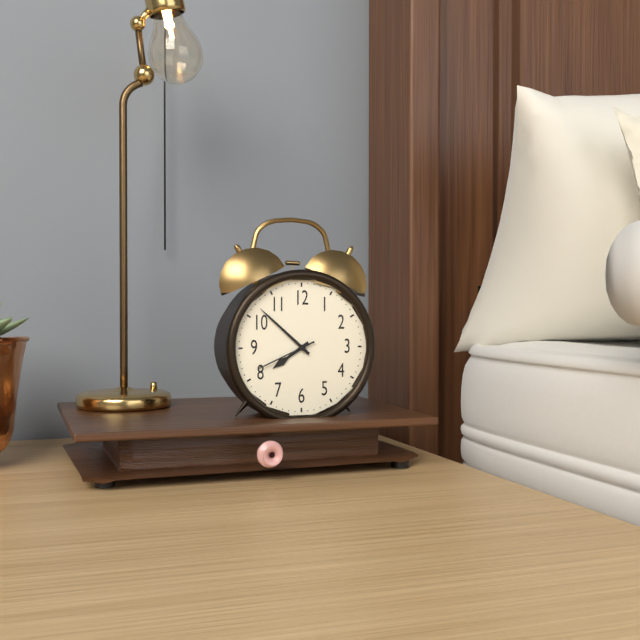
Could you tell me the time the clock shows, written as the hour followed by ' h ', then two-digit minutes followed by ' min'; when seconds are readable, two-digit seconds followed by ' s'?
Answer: 7 h 52 min 41 s
